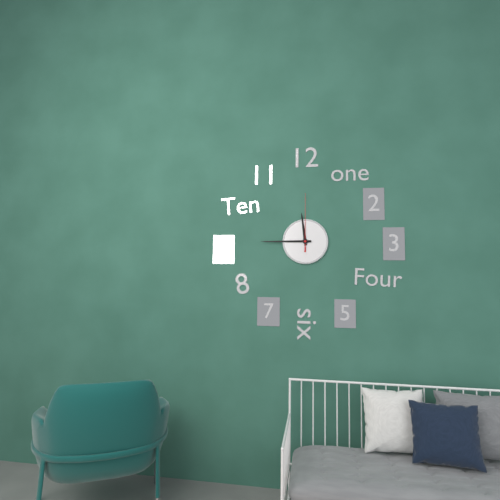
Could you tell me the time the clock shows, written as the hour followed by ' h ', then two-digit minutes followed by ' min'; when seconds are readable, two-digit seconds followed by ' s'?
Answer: 11 h 45 min 00 s
